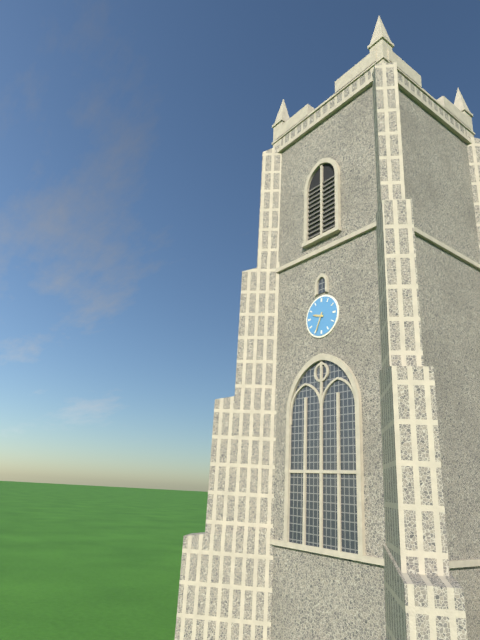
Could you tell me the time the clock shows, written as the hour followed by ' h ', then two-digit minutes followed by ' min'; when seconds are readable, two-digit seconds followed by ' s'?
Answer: 9 h 34 min
